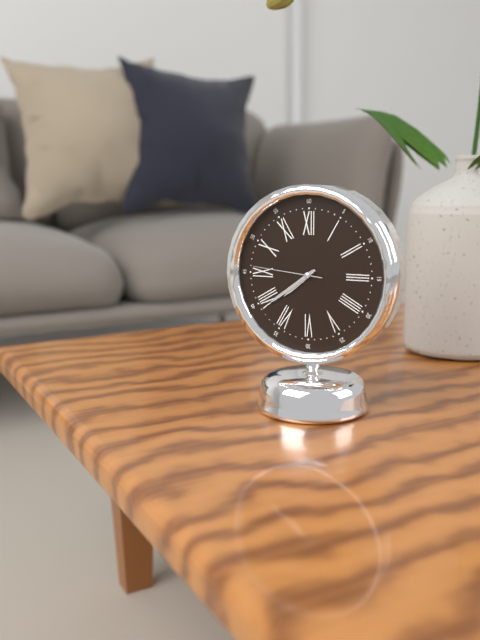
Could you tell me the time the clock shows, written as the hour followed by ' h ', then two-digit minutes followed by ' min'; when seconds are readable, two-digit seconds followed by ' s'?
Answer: 7 h 39 min 46 s
